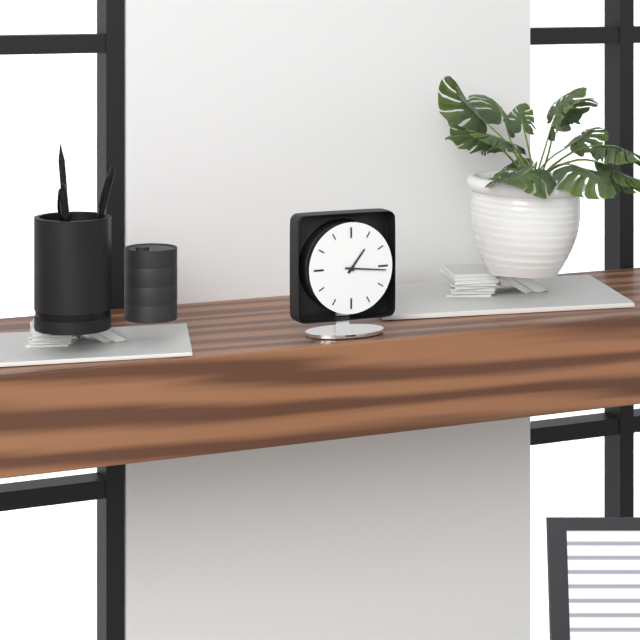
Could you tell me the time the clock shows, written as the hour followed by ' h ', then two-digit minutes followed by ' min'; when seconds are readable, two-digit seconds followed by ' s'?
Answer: 1 h 16 min
